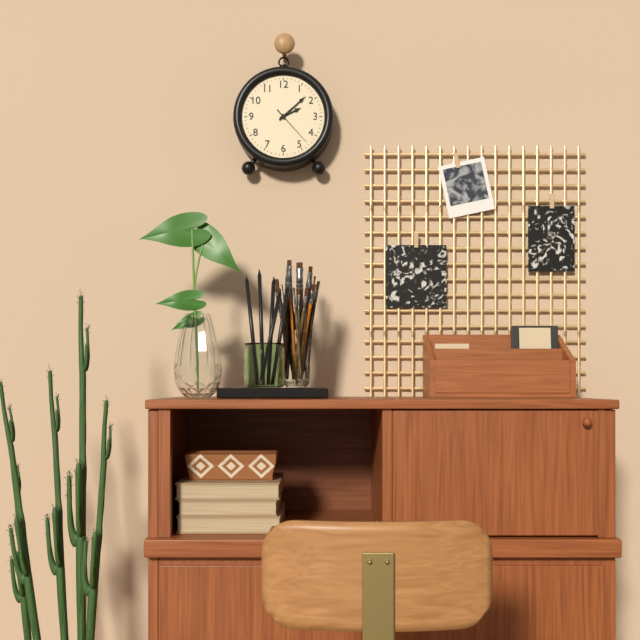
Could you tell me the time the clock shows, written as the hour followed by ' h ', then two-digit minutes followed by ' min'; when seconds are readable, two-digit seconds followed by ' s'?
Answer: 2 h 08 min
